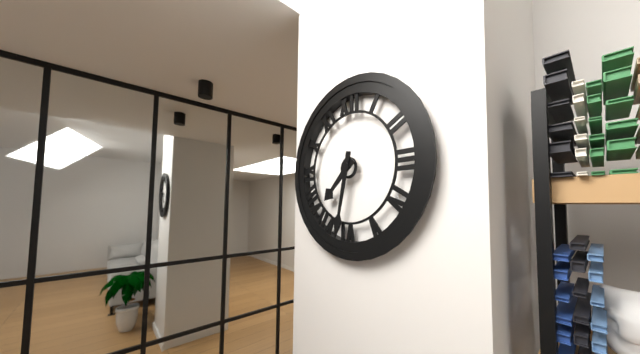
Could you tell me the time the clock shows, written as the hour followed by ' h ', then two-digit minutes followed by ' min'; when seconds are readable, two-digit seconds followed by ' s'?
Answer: 7 h 32 min
